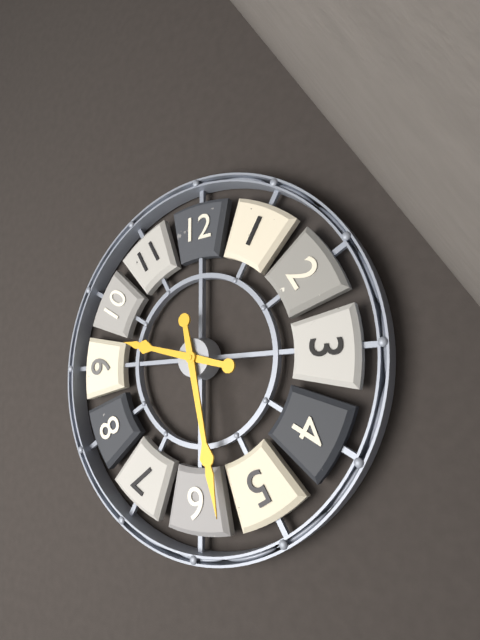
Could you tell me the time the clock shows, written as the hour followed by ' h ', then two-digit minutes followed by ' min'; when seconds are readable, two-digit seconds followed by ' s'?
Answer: 9 h 28 min
